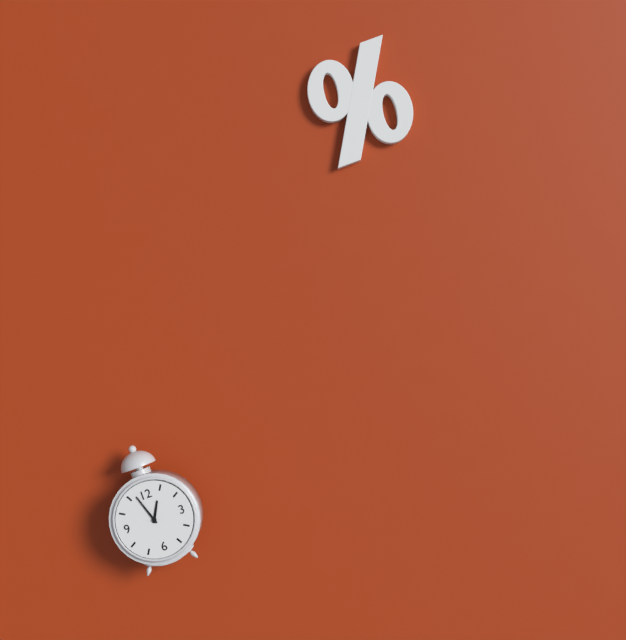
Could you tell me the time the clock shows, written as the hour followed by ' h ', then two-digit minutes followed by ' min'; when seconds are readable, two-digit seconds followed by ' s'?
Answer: 12 h 57 min
